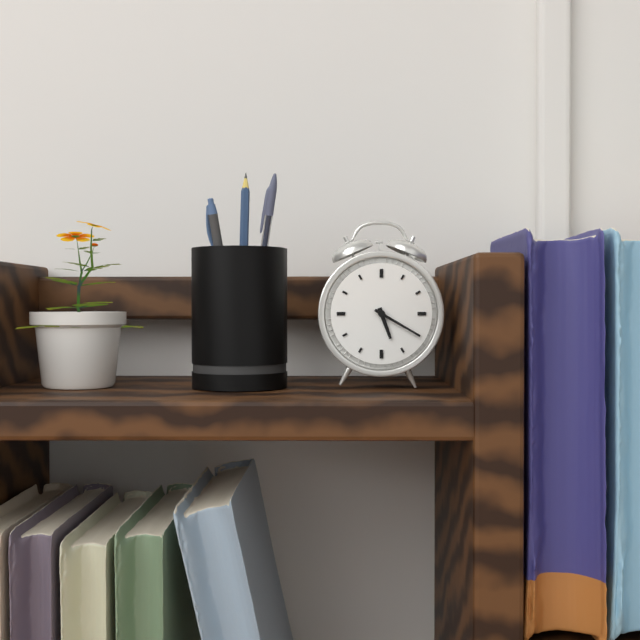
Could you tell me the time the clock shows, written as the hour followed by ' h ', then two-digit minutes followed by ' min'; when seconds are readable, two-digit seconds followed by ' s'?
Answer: 5 h 20 min
